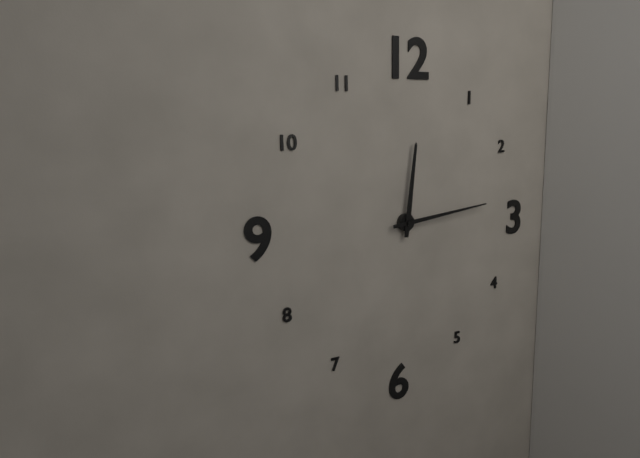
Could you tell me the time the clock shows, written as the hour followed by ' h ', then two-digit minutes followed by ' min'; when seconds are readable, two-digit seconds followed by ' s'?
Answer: 12 h 14 min
